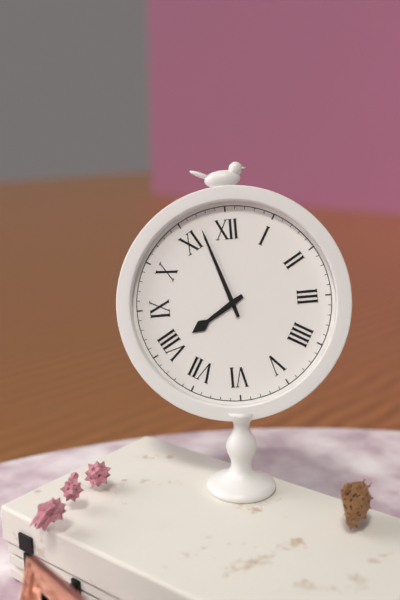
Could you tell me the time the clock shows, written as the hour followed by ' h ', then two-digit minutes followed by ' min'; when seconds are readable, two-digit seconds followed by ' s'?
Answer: 7 h 57 min
